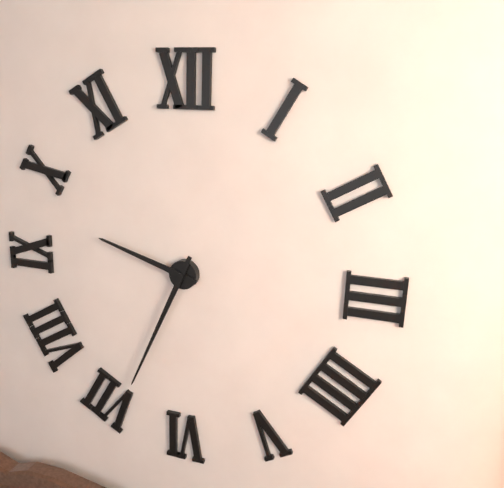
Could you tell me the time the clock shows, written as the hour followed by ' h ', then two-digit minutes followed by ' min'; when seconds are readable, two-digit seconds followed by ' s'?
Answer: 9 h 34 min
